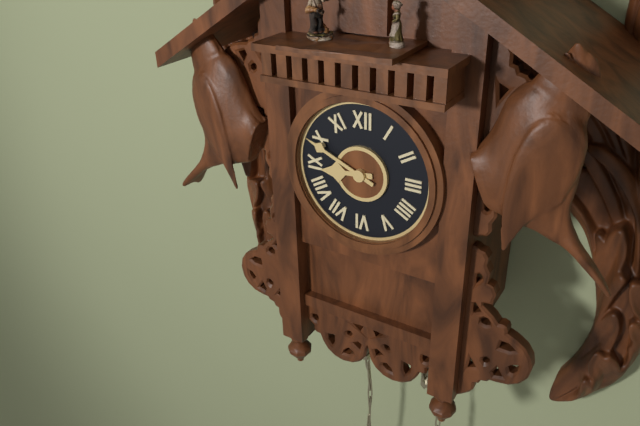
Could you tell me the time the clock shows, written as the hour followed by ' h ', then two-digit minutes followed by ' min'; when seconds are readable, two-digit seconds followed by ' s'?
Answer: 8 h 49 min
